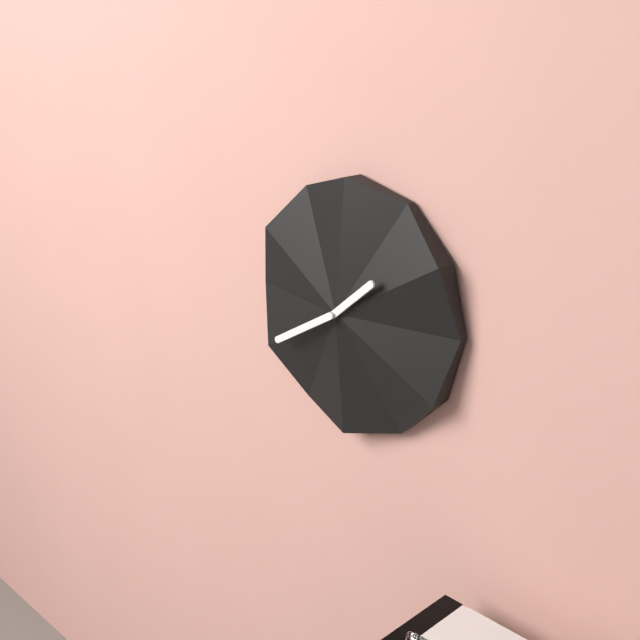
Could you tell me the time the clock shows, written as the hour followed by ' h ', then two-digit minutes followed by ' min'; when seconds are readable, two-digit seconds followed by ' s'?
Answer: 1 h 40 min
